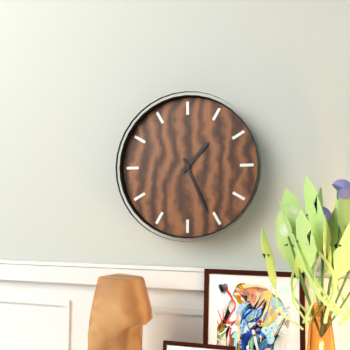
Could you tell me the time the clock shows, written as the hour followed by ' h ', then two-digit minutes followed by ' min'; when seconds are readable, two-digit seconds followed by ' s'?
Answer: 1 h 26 min
